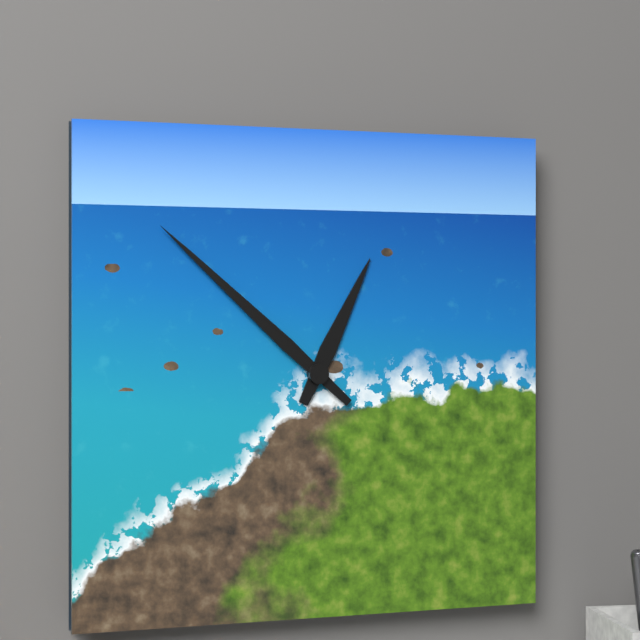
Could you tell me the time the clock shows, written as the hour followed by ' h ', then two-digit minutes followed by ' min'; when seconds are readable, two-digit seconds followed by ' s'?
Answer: 12 h 52 min
